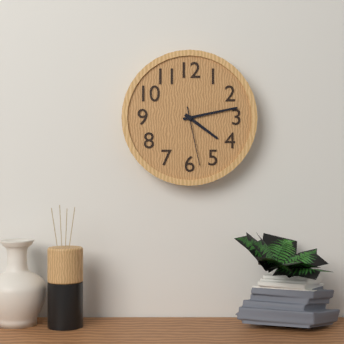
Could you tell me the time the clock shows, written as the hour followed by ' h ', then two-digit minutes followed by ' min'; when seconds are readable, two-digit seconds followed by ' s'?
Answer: 4 h 13 min 28 s
